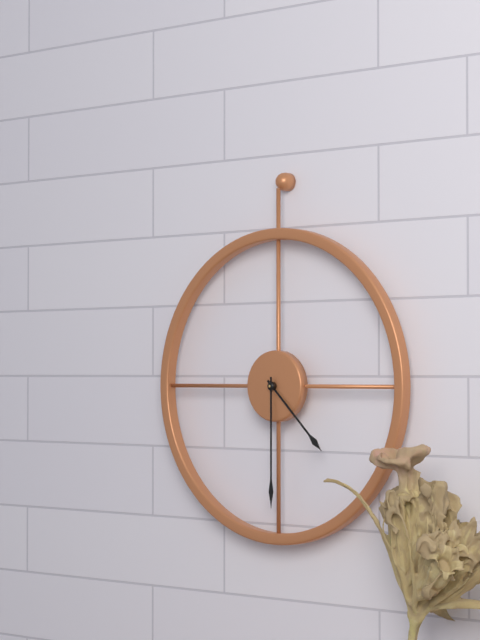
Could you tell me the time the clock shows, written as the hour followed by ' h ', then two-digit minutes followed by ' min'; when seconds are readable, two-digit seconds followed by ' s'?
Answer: 4 h 30 min
